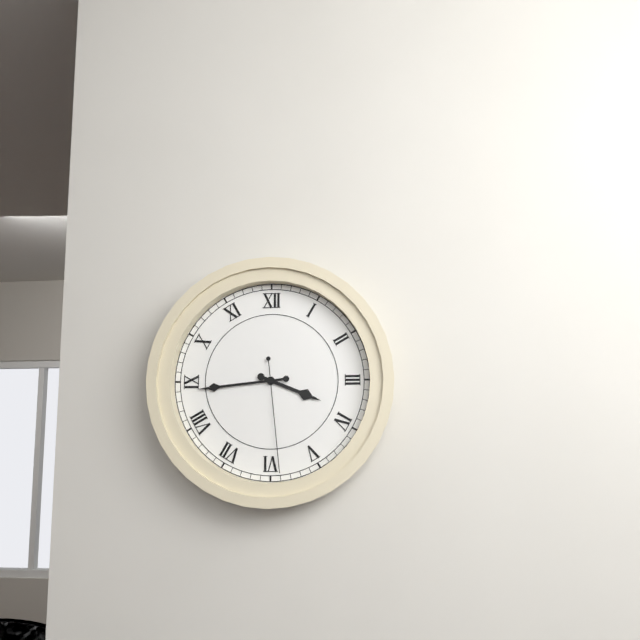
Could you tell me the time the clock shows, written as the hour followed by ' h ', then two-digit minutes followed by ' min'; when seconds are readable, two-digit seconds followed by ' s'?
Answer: 3 h 44 min 29 s
